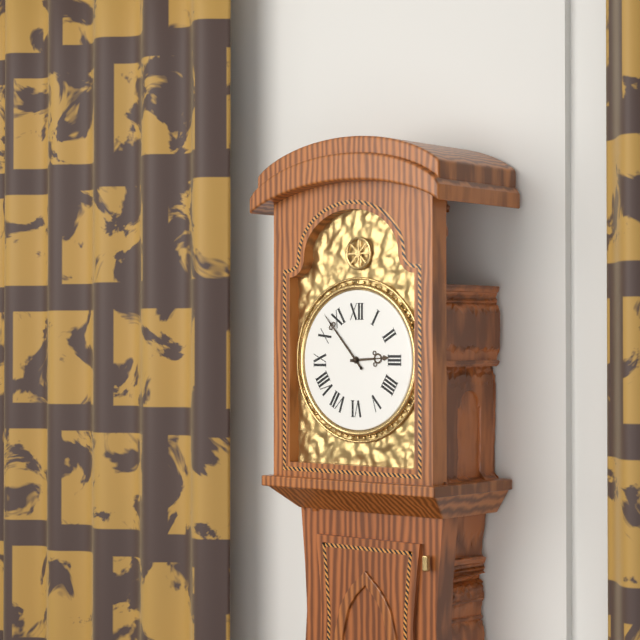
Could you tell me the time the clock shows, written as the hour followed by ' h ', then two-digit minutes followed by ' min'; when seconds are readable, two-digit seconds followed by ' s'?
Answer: 2 h 53 min
